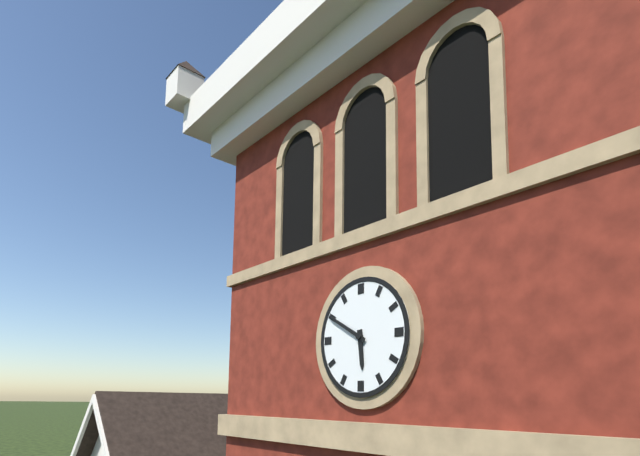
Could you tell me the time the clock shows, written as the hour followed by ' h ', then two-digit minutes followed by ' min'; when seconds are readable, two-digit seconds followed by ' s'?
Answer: 5 h 50 min
